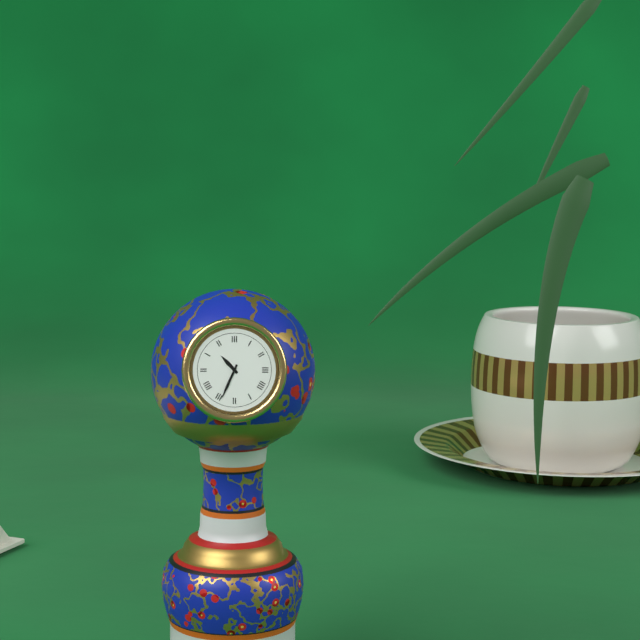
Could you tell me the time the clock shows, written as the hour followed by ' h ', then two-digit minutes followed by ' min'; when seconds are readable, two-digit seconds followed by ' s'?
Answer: 10 h 34 min
